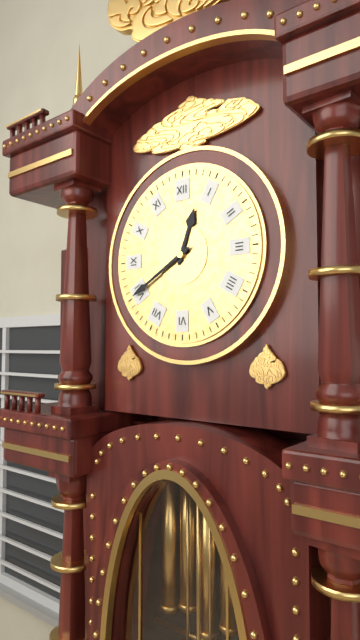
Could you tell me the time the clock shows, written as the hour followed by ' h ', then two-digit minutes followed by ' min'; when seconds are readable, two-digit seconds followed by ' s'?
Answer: 12 h 40 min
